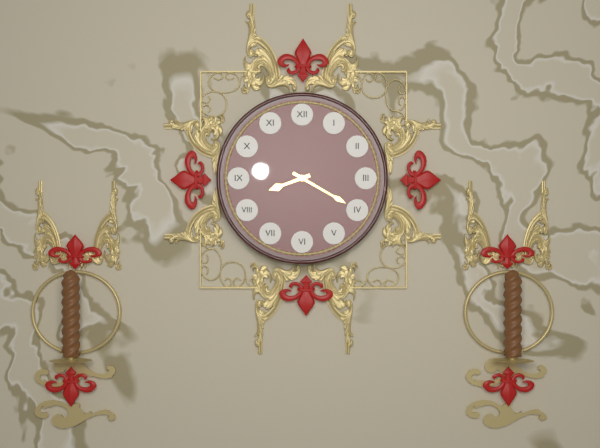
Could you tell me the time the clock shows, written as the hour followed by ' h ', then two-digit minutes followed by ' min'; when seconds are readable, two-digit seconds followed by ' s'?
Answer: 8 h 20 min
